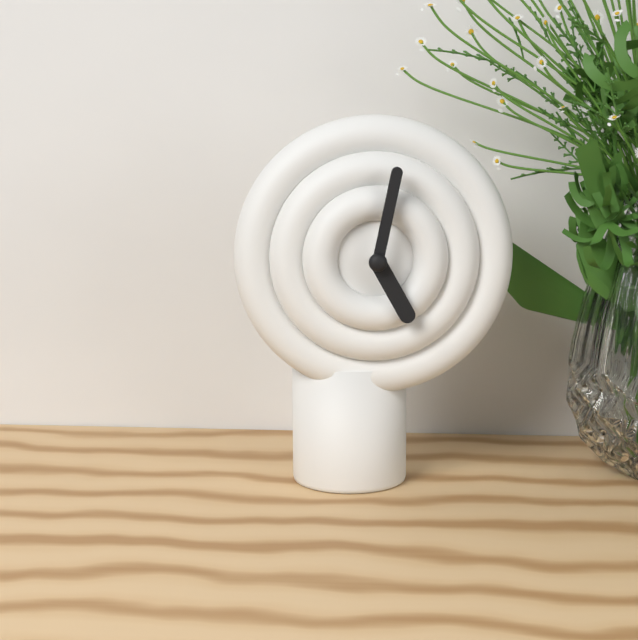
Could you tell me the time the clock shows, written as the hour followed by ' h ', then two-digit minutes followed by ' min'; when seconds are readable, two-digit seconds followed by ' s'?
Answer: 5 h 02 min
